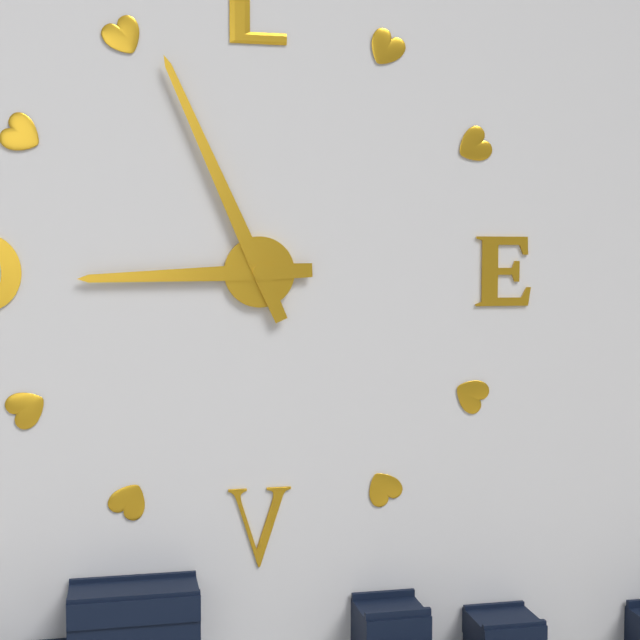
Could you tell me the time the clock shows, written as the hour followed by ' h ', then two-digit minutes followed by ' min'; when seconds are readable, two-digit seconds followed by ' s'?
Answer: 8 h 56 min
